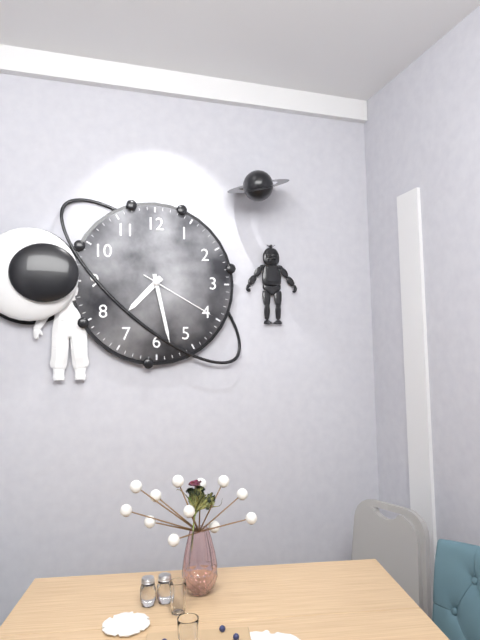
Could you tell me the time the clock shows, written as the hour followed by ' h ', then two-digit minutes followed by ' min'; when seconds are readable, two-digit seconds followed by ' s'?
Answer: 7 h 28 min 20 s
